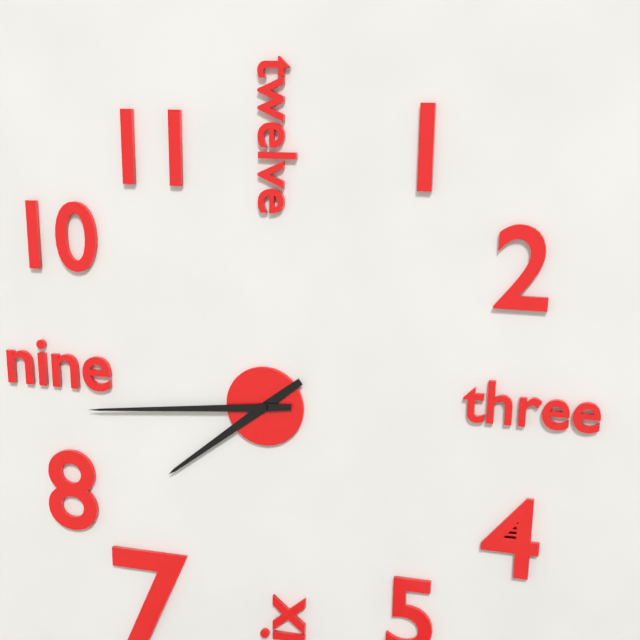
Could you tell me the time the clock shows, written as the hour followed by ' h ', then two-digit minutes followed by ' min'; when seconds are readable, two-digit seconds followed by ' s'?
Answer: 7 h 44 min
